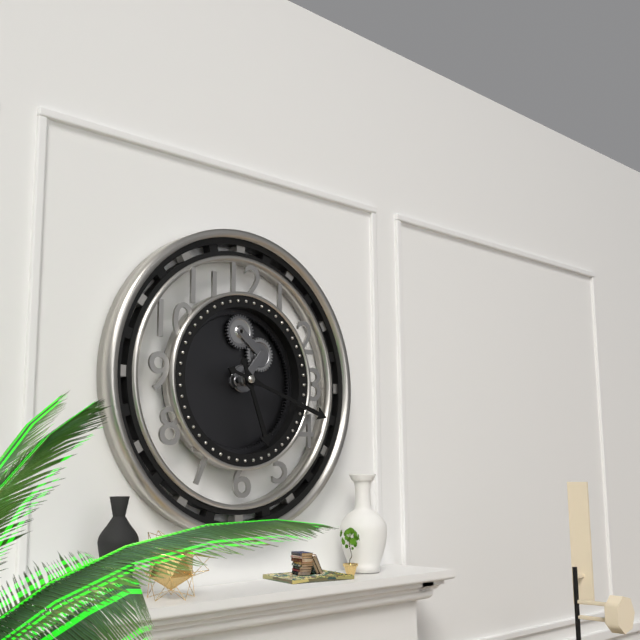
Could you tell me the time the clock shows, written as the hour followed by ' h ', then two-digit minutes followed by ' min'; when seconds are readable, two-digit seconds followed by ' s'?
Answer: 5 h 18 min
